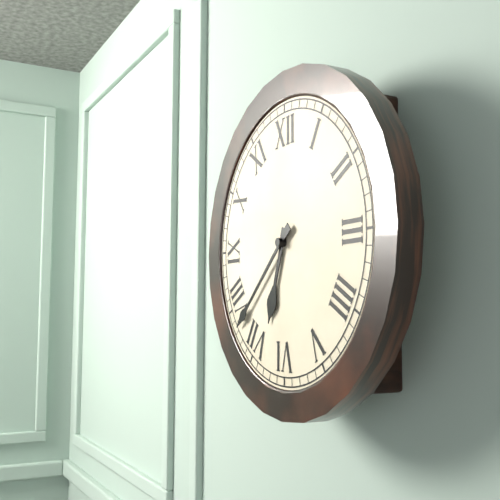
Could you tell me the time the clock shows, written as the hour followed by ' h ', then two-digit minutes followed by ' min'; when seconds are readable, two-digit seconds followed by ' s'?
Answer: 6 h 38 min
